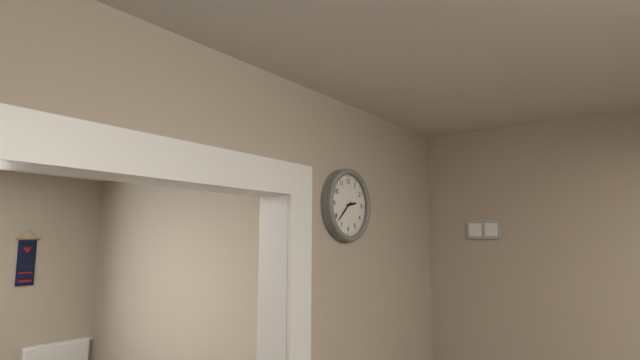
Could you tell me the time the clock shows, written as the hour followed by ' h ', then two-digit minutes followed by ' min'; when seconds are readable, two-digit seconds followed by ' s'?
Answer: 2 h 38 min
